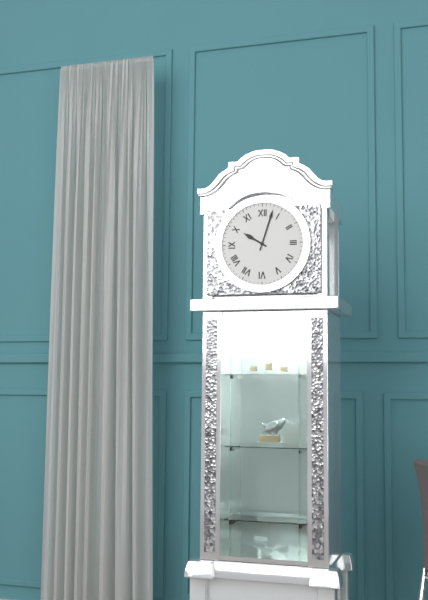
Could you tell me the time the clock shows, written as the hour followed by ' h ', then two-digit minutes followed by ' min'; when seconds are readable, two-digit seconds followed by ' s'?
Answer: 10 h 03 min
